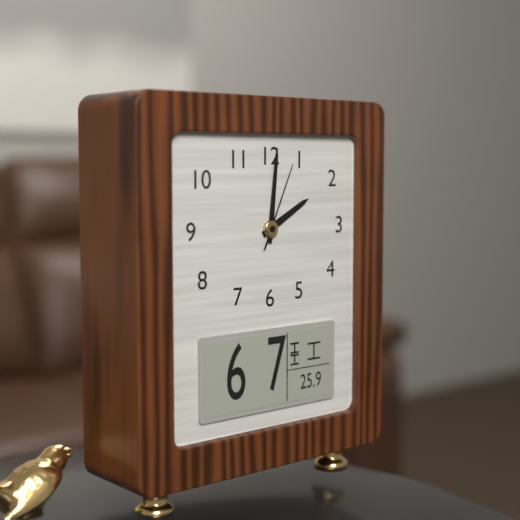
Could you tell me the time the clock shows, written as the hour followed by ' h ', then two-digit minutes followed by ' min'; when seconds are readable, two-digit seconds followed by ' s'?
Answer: 2 h 01 min 04 s
